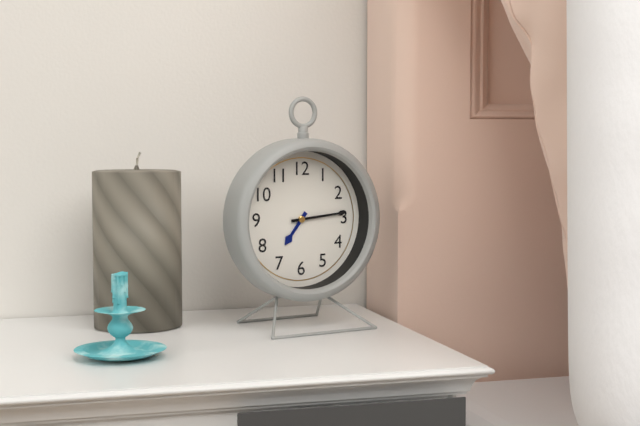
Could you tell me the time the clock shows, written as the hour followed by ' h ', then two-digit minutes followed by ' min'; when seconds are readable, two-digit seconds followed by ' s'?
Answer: 7 h 14 min
